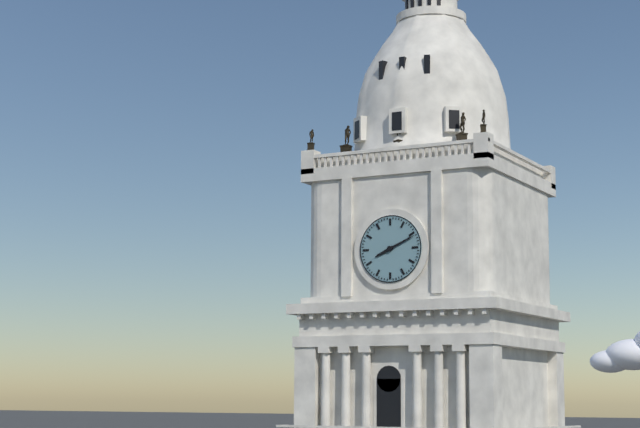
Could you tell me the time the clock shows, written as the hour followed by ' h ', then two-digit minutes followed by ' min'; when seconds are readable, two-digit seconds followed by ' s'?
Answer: 8 h 11 min
